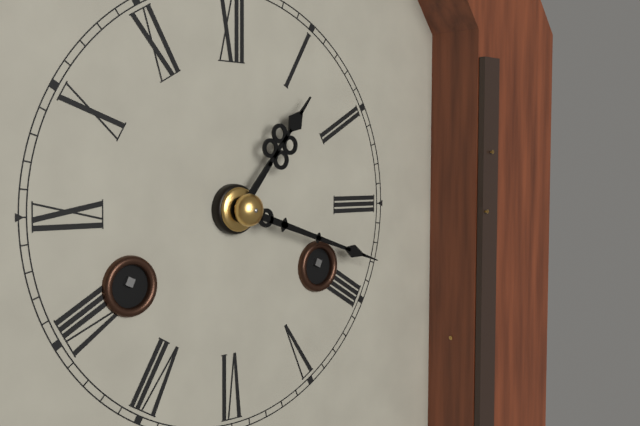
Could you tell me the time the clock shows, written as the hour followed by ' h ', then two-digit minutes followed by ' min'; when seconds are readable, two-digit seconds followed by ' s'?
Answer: 1 h 18 min
